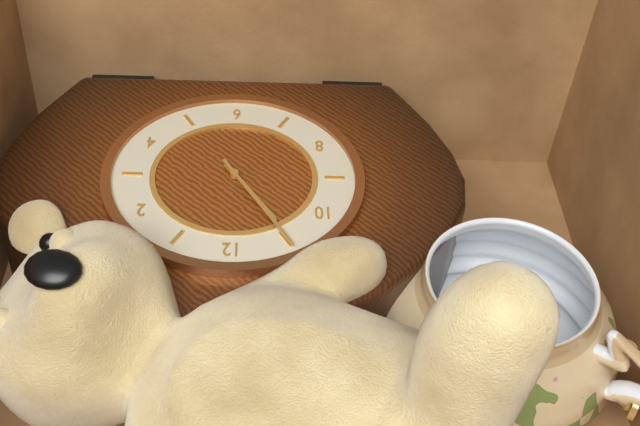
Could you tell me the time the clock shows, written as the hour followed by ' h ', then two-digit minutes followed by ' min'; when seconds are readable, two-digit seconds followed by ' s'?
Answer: 10 h 55 min
